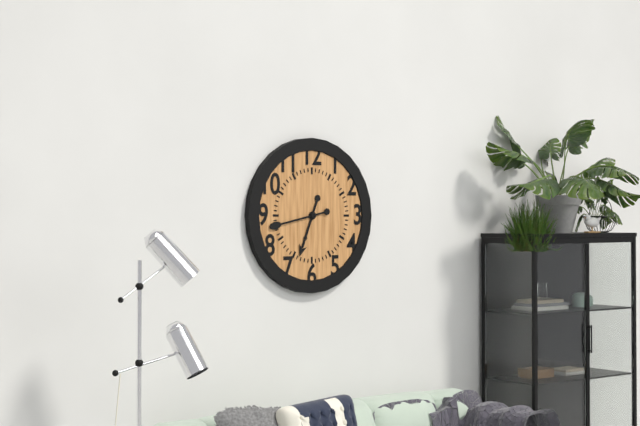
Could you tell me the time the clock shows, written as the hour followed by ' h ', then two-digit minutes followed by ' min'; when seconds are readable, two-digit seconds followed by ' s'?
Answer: 6 h 43 min
